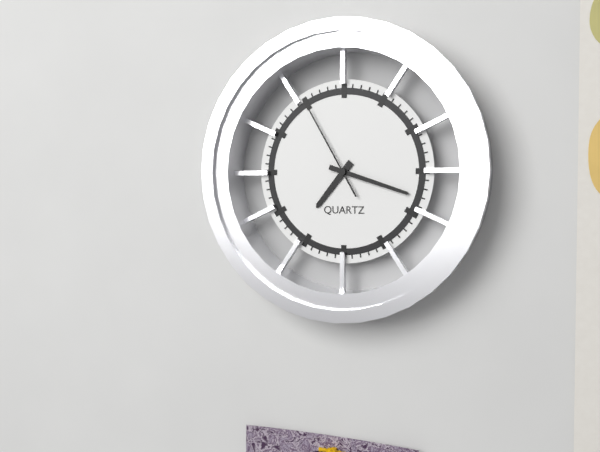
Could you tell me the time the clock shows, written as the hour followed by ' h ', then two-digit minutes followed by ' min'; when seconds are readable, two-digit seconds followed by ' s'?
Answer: 7 h 18 min 55 s
